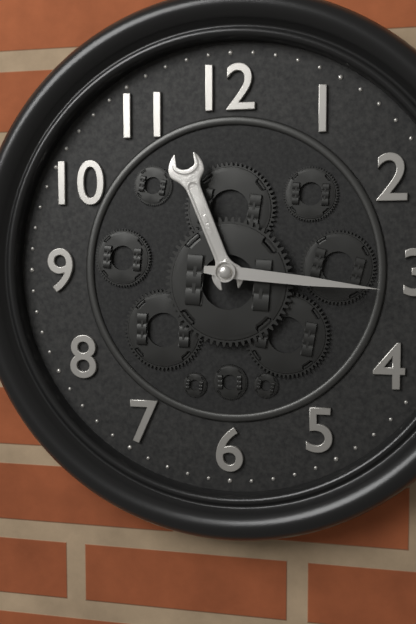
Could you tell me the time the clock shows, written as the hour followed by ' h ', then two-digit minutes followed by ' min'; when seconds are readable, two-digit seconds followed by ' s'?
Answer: 11 h 16 min
